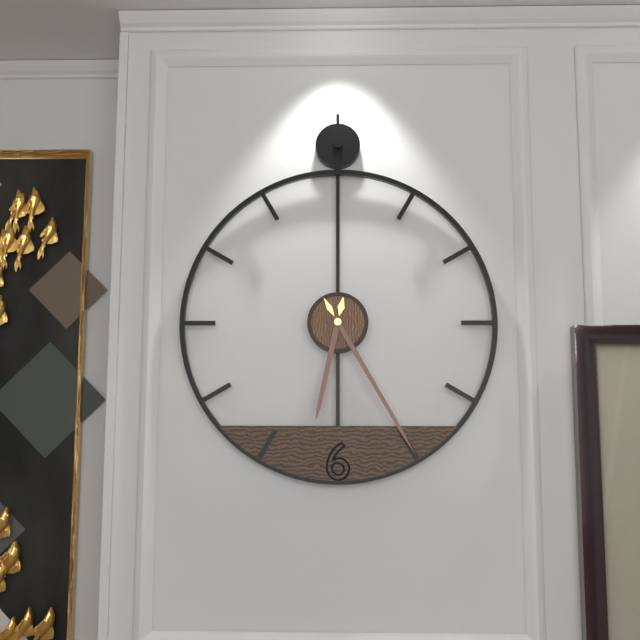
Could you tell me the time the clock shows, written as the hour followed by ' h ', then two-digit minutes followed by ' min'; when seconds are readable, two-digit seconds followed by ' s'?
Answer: 6 h 25 min
